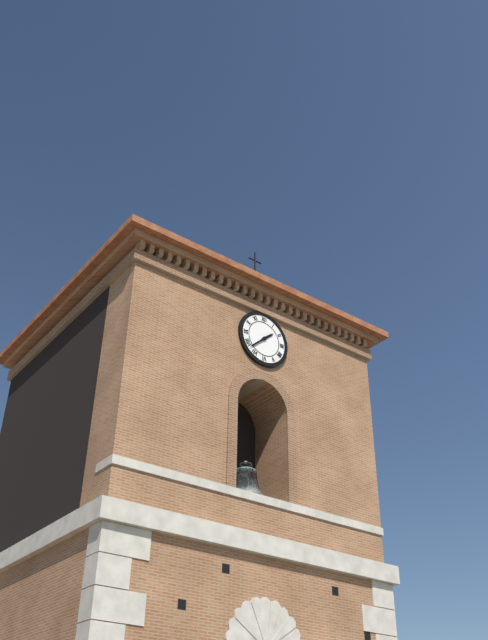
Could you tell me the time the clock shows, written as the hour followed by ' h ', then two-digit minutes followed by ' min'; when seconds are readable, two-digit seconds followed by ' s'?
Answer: 1 h 38 min
